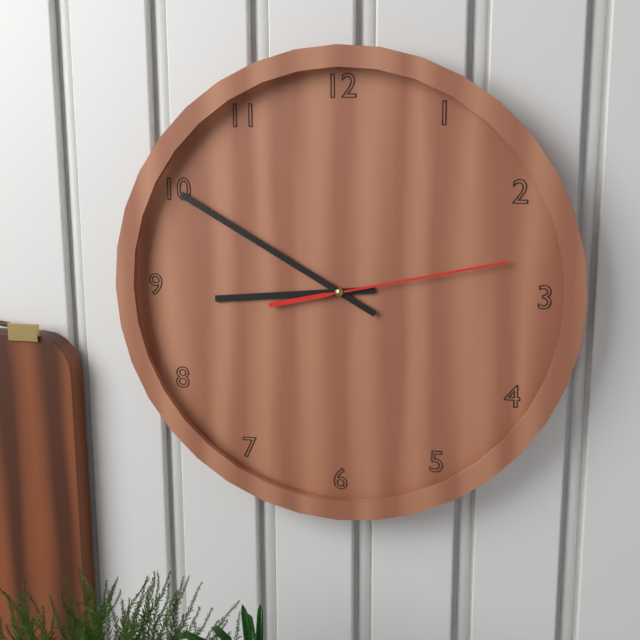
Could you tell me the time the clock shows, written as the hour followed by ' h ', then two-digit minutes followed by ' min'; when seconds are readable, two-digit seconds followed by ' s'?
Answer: 8 h 50 min 13 s
